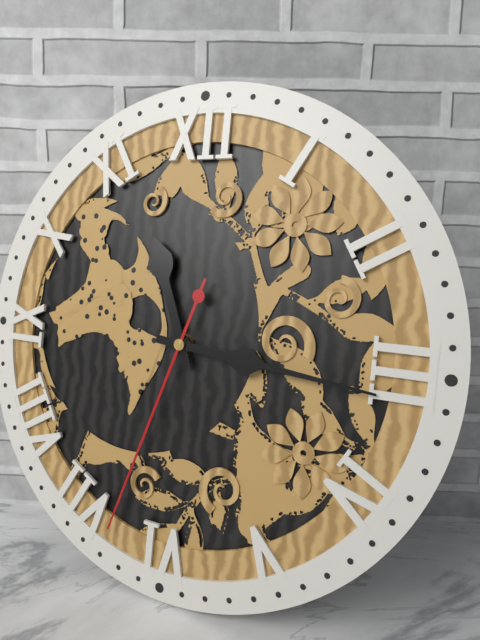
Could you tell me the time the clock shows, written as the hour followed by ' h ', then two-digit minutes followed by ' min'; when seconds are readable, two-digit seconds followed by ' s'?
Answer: 11 h 16 min 33 s
